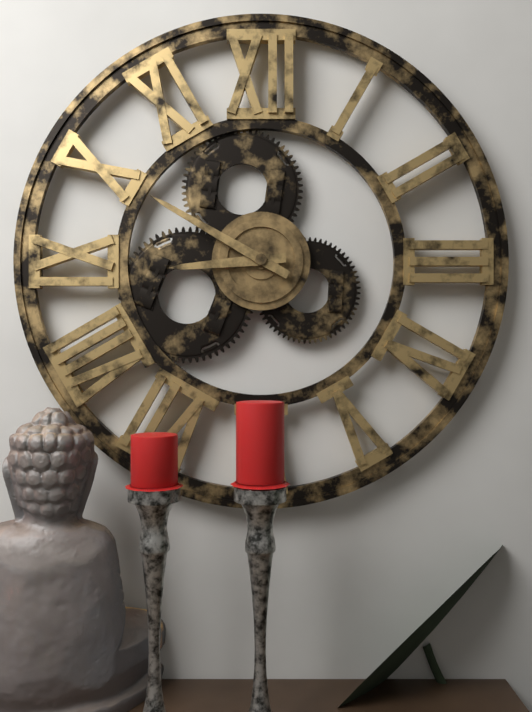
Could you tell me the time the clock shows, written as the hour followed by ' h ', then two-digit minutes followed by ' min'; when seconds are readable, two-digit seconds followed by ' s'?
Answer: 8 h 50 min
